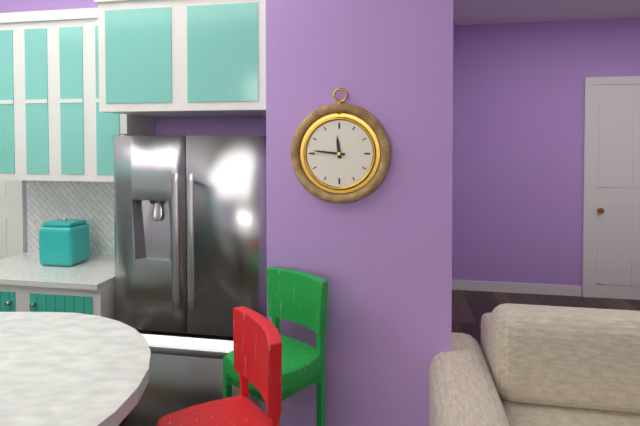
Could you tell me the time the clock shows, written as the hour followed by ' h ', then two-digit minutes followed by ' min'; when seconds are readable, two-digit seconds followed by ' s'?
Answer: 11 h 46 min
